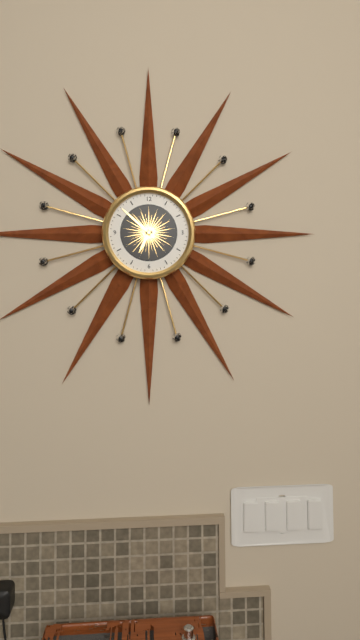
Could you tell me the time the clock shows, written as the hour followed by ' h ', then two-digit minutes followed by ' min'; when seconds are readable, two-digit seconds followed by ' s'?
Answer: 6 h 52 min
